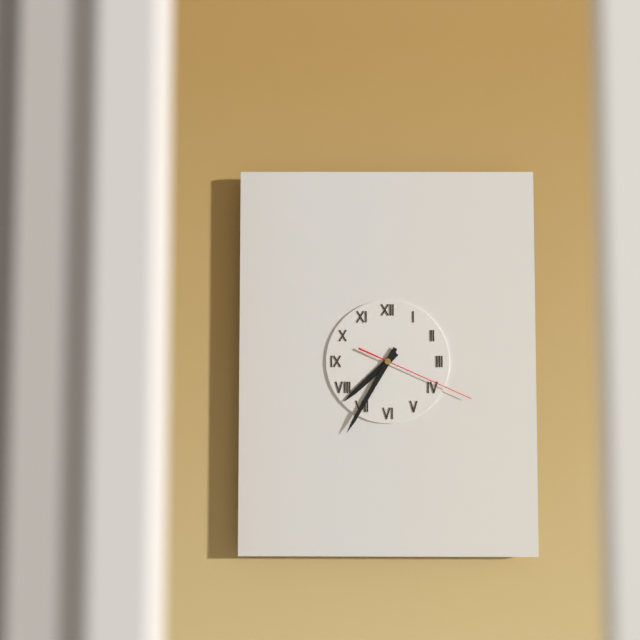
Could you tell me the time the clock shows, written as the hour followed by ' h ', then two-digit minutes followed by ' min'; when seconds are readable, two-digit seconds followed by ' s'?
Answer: 7 h 35 min 19 s
